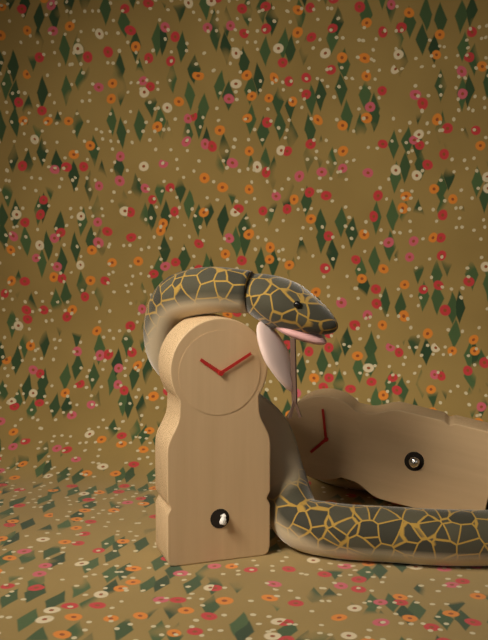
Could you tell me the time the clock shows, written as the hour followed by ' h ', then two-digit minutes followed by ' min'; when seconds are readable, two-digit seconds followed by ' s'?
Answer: 10 h 10 min
